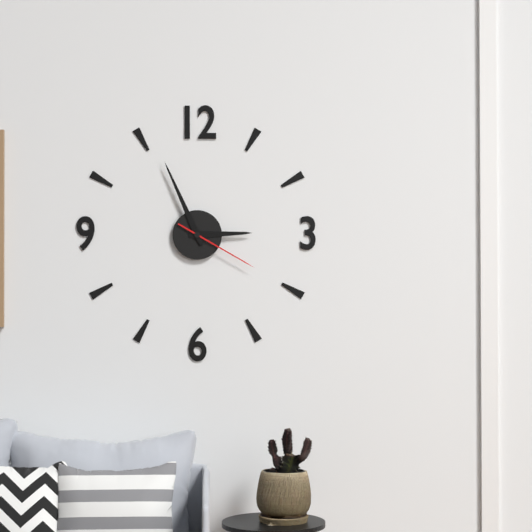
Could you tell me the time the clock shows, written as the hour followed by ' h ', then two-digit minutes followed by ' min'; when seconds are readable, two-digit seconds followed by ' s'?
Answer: 2 h 56 min 20 s
